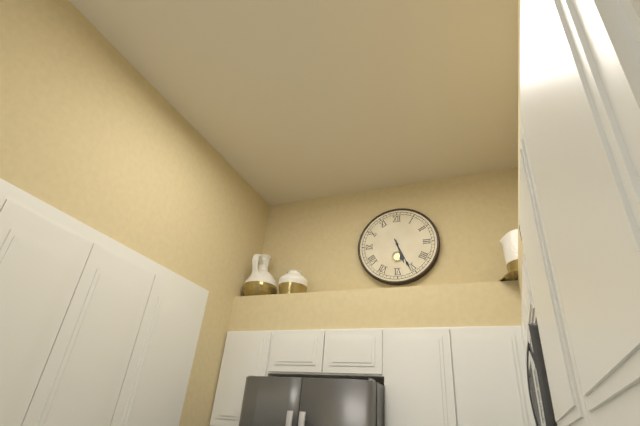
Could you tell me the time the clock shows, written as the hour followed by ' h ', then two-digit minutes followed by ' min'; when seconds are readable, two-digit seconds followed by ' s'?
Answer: 5 h 26 min
